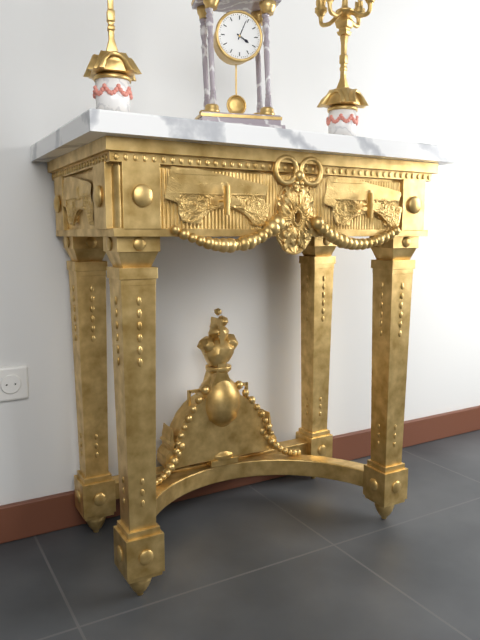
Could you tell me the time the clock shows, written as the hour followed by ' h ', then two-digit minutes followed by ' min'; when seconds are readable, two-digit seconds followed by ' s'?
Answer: 4 h 04 min
